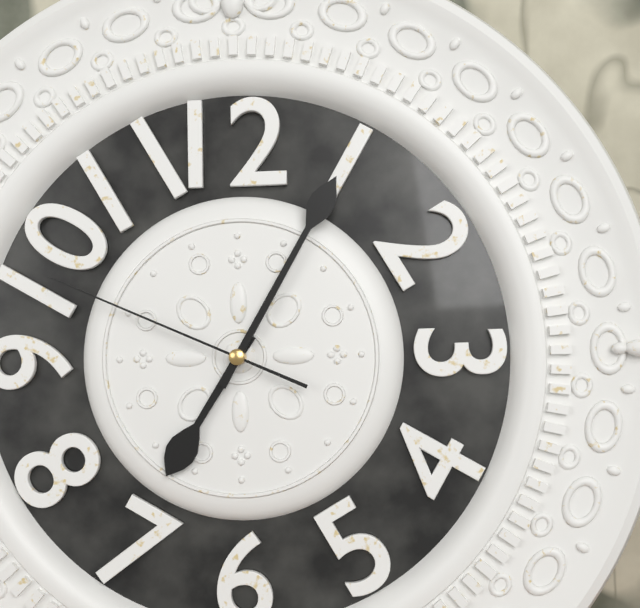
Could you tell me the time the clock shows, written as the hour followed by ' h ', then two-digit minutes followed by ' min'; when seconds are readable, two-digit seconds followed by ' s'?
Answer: 7 h 05 min 49 s
